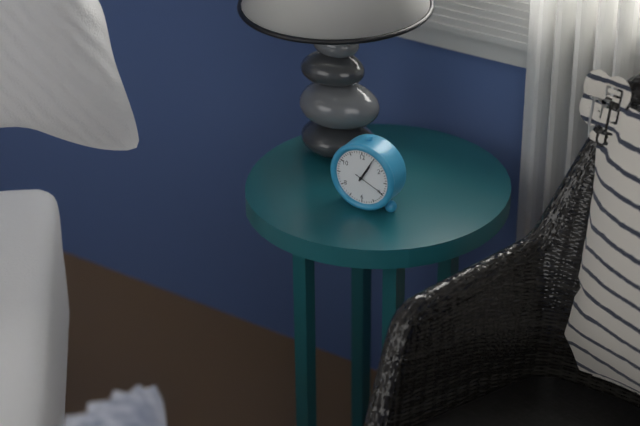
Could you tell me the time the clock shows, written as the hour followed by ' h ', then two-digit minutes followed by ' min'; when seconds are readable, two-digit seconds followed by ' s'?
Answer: 1 h 05 min
